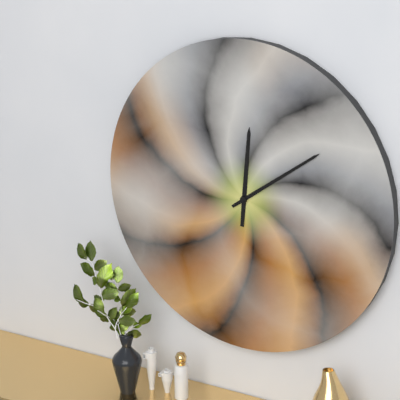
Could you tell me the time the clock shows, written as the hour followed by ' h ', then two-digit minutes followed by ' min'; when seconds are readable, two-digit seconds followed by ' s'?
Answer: 12 h 09 min
